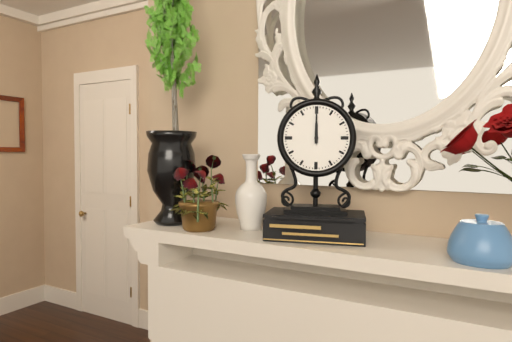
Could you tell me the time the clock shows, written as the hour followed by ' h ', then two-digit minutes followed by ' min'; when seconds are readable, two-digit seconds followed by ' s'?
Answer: 12 h 00 min
